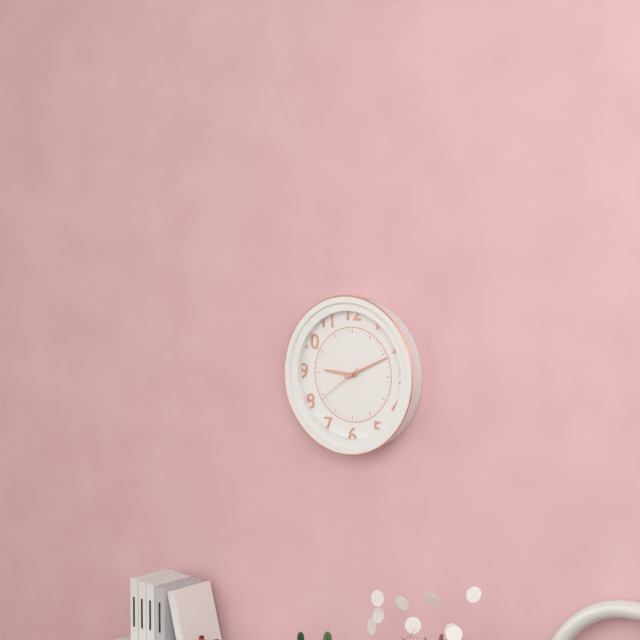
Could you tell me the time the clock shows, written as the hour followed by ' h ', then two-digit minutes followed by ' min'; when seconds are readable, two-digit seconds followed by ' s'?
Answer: 9 h 11 min
